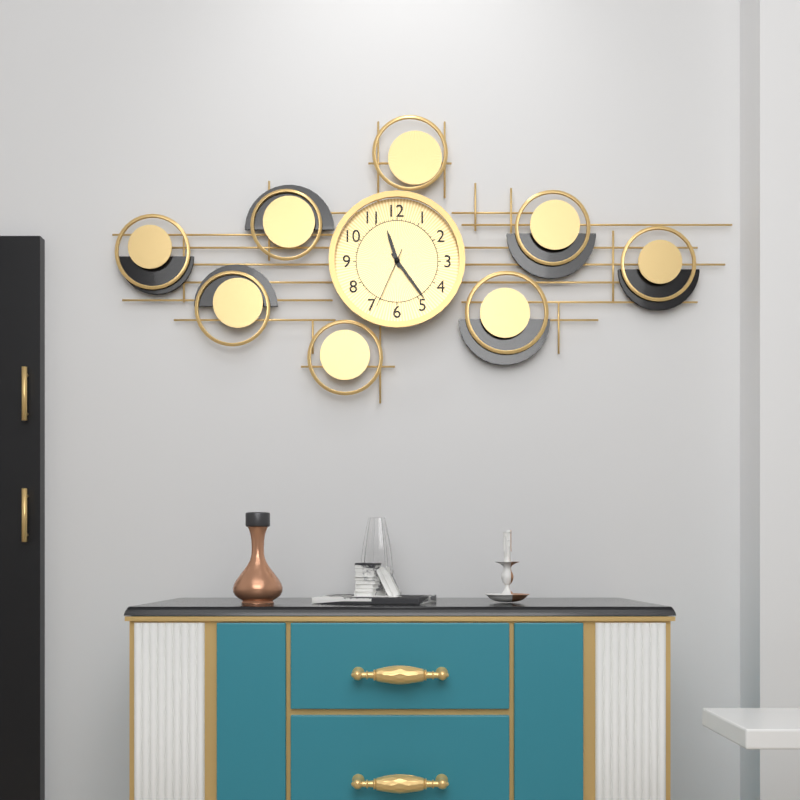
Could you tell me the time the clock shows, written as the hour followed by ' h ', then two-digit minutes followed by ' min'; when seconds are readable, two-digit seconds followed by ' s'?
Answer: 11 h 24 min 34 s
